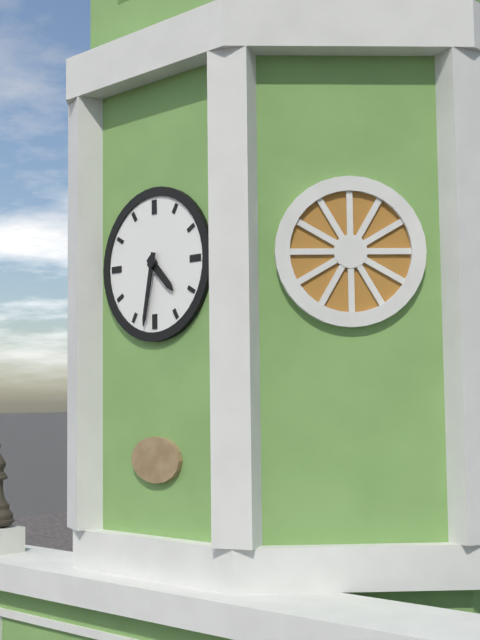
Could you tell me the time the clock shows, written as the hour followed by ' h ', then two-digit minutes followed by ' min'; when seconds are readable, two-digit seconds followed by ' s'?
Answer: 4 h 32 min
